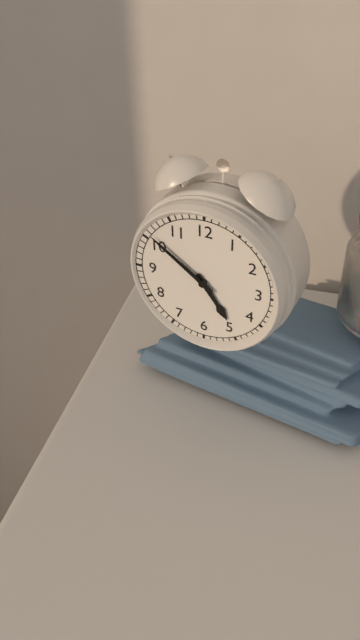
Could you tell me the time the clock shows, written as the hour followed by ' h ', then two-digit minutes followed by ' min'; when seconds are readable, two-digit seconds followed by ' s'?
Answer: 4 h 51 min
